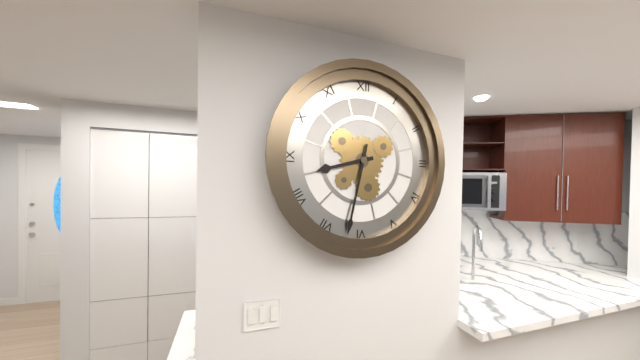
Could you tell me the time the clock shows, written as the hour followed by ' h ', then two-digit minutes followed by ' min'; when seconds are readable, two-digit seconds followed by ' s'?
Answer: 8 h 32 min
